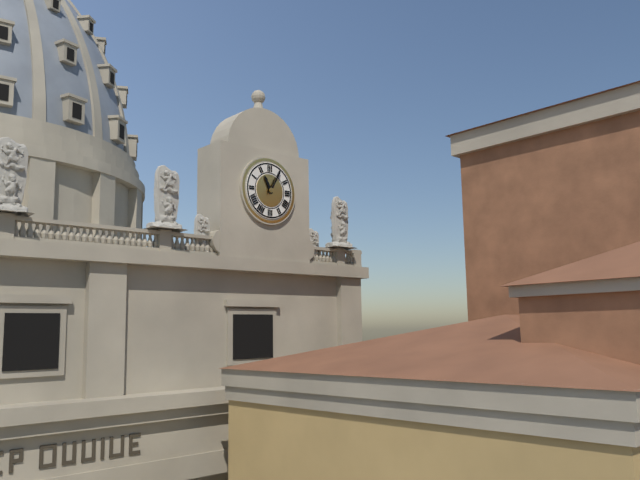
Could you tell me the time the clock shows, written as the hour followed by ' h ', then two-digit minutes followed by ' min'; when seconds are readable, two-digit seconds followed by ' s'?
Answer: 11 h 05 min
